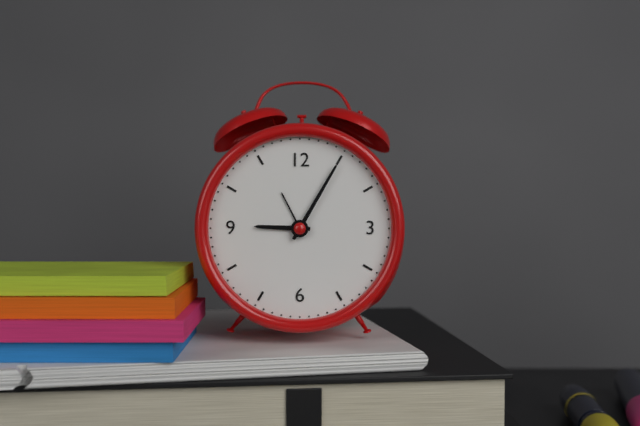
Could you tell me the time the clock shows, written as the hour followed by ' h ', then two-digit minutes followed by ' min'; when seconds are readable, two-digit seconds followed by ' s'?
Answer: 9 h 05 min
